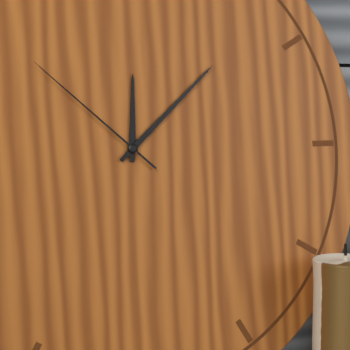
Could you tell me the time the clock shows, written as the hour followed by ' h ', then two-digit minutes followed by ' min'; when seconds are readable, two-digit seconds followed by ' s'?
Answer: 12 h 08 min 52 s
